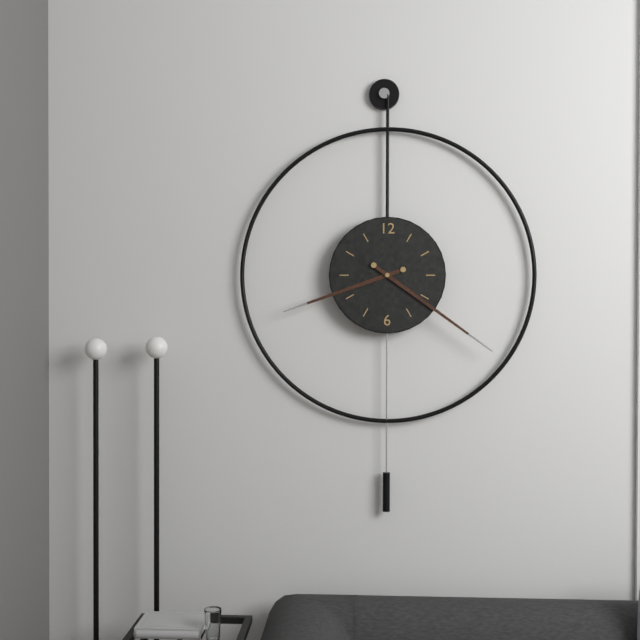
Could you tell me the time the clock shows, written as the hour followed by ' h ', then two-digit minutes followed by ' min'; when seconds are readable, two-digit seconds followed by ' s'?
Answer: 8 h 21 min
